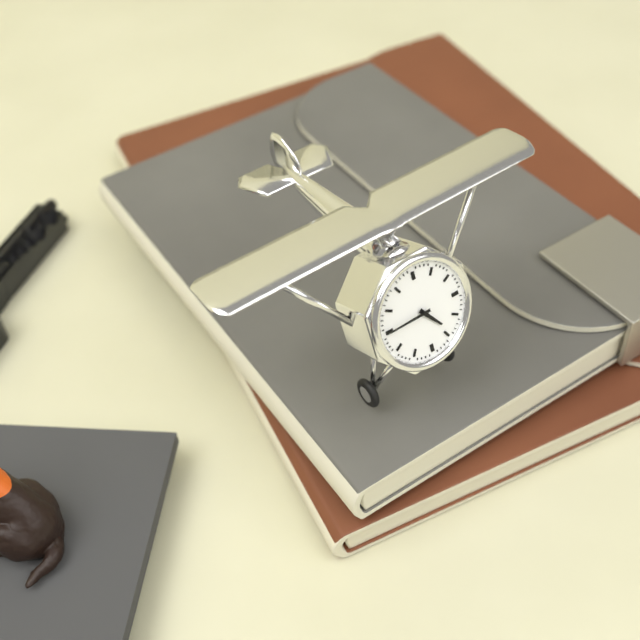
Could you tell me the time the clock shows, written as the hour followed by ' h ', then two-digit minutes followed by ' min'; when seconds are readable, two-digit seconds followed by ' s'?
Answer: 4 h 45 min
